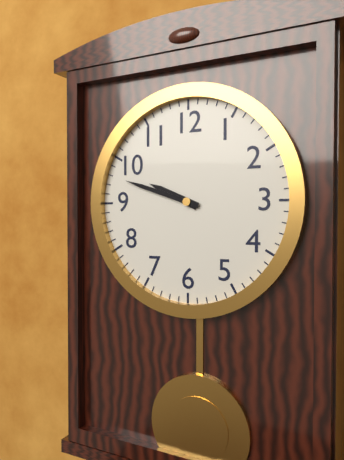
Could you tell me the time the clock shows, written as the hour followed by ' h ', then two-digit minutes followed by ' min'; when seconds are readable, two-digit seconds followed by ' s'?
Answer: 9 h 48 min
